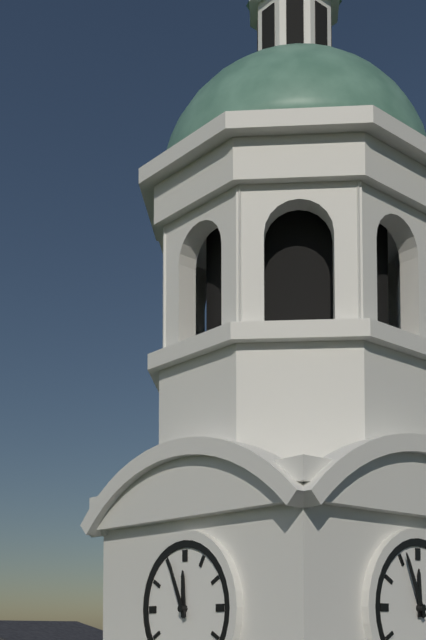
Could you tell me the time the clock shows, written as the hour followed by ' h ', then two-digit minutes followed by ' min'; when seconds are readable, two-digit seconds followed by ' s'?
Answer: 11 h 56 min
